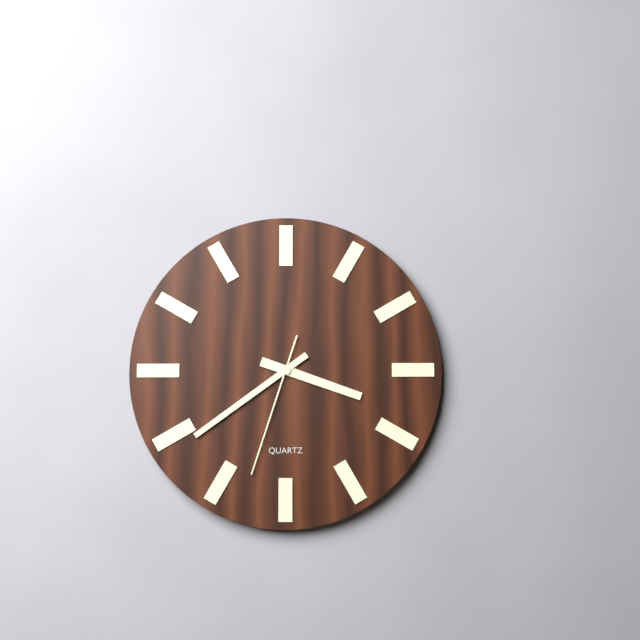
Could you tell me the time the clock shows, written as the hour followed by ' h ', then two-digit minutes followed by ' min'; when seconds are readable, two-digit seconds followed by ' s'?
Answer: 3 h 39 min 33 s
